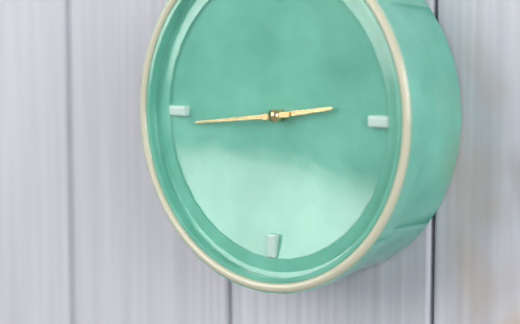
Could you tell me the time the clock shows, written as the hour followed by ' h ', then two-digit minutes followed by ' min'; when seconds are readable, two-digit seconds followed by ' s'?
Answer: 2 h 44 min
